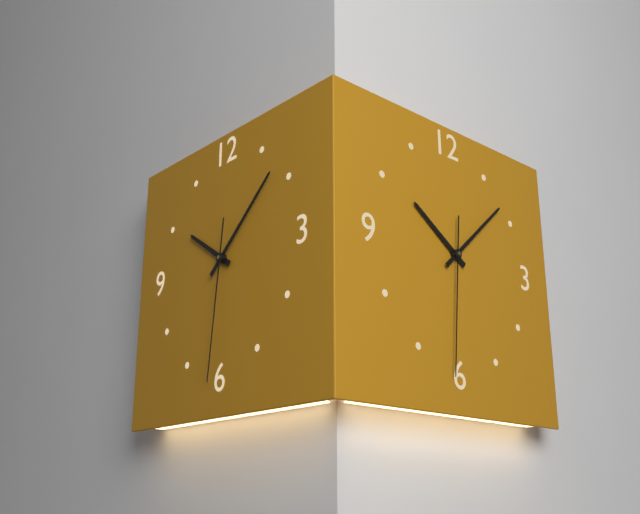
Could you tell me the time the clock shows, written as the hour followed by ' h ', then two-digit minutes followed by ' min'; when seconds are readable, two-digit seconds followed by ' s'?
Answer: 10 h 08 min 31 s
